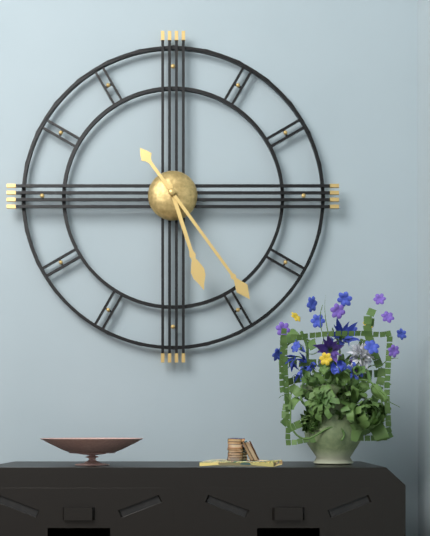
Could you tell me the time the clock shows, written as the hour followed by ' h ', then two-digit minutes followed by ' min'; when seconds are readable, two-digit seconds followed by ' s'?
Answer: 5 h 24 min
